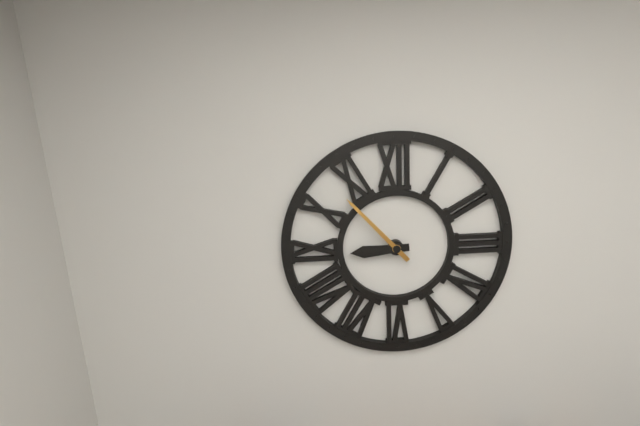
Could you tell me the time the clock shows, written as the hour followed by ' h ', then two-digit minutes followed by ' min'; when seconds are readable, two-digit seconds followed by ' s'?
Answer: 8 h 53 min
